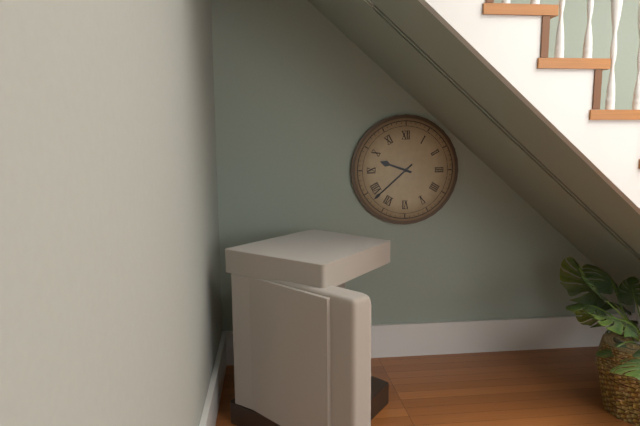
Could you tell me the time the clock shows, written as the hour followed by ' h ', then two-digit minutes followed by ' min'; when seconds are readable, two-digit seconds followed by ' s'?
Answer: 9 h 38 min
